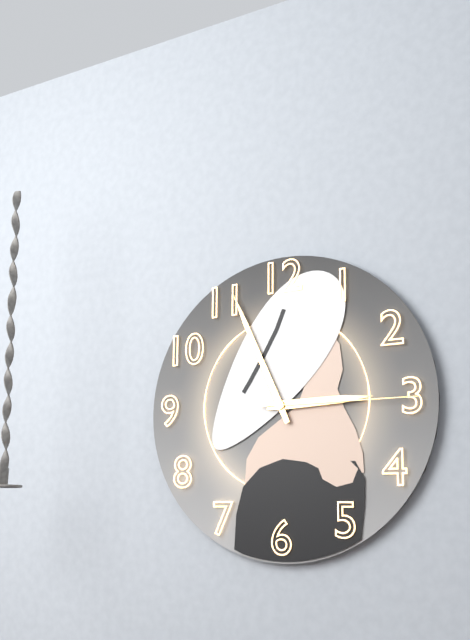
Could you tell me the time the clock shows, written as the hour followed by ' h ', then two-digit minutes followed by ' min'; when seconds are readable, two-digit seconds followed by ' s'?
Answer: 2 h 56 min 15 s
